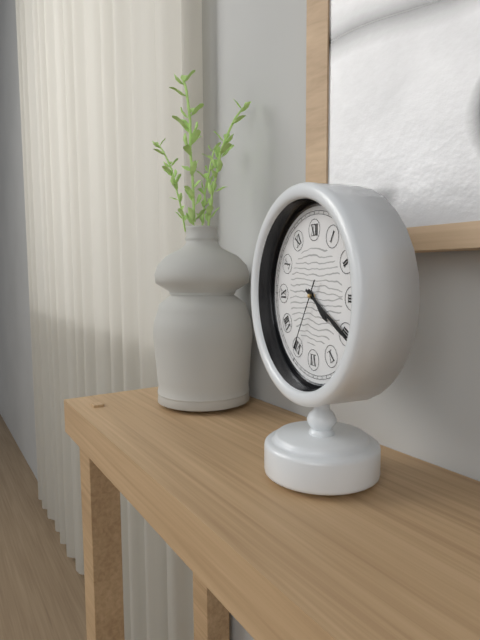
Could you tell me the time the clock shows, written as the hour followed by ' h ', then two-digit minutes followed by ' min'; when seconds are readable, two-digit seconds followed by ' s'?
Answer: 4 h 20 min 35 s
